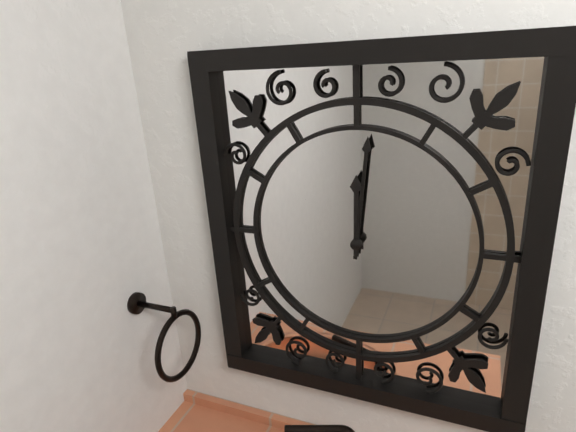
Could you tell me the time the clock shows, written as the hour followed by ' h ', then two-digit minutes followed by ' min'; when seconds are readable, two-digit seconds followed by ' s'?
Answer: 12 h 01 min
